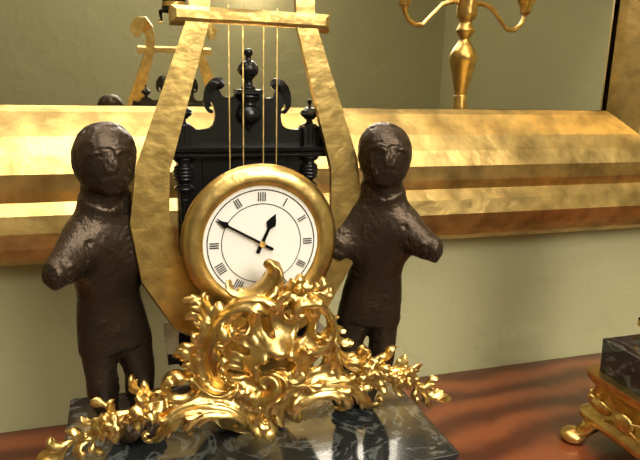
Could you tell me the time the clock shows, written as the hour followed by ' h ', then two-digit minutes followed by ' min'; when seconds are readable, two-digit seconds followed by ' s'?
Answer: 12 h 50 min
